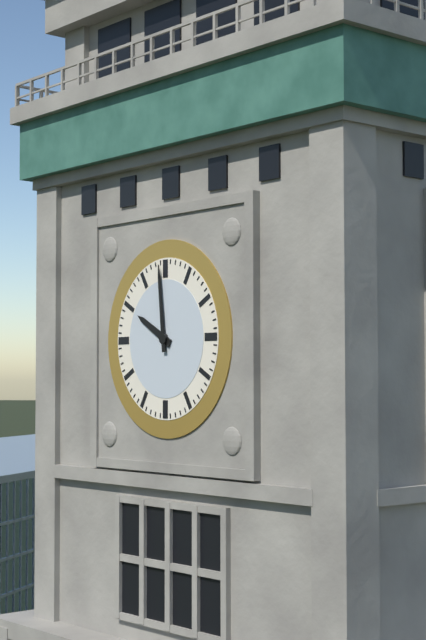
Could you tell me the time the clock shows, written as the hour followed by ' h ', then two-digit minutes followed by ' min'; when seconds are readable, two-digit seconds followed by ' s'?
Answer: 9 h 59 min
